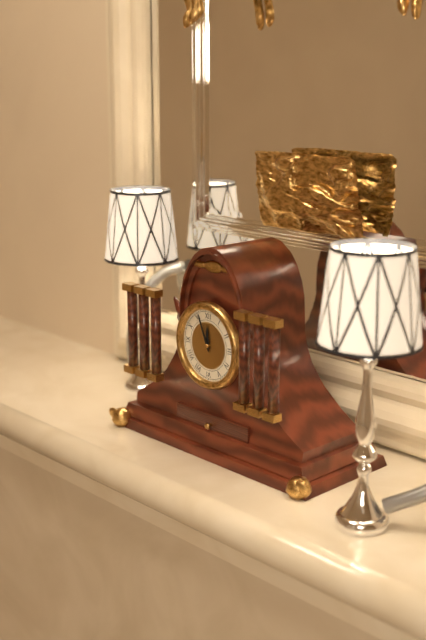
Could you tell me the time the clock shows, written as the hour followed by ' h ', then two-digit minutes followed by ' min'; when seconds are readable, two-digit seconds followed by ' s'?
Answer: 11 h 56 min
